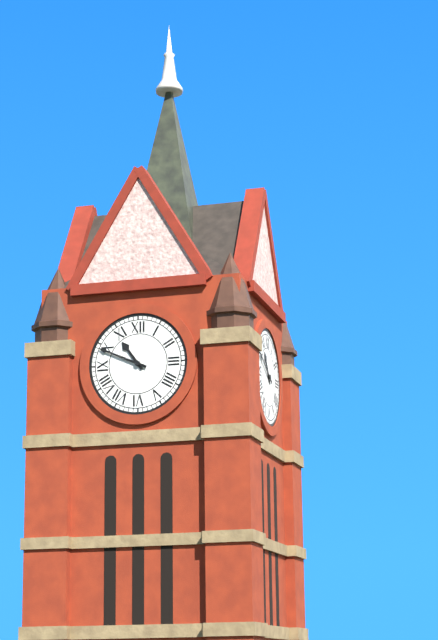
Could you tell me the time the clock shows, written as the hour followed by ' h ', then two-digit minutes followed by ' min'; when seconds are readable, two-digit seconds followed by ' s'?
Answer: 10 h 49 min
